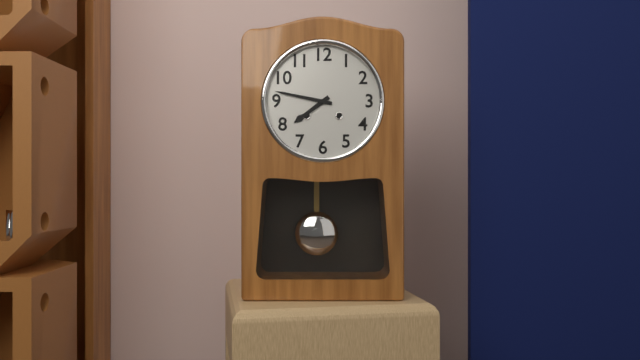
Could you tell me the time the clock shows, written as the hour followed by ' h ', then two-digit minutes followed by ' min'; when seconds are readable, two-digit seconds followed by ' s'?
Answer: 7 h 47 min
